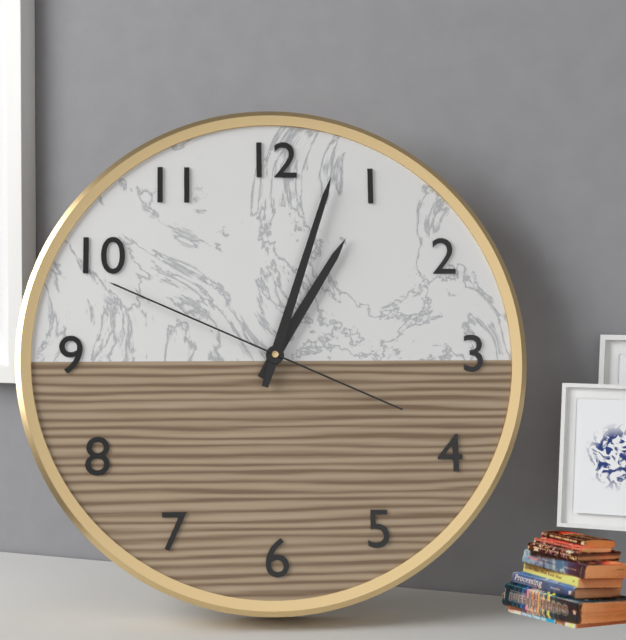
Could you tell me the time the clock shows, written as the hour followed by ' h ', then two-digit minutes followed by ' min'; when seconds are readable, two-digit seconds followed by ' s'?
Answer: 1 h 03 min 49 s
